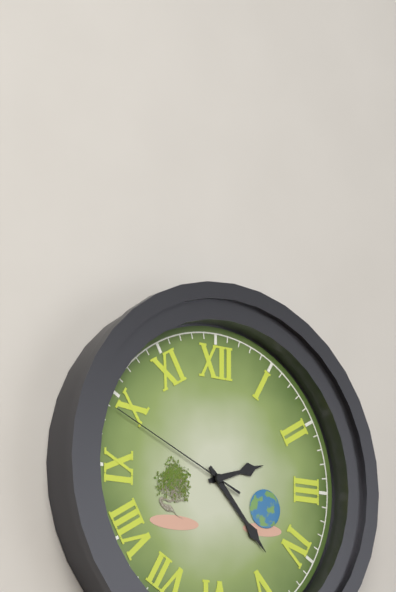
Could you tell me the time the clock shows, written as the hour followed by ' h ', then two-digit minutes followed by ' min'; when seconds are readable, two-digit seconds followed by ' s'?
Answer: 2 h 23 min 49 s
